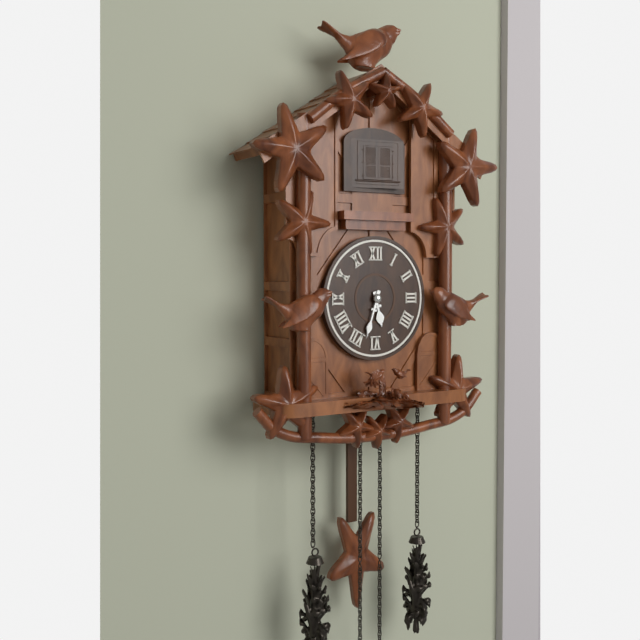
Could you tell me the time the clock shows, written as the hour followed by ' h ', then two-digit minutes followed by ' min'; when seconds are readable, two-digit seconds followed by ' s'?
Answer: 5 h 33 min
